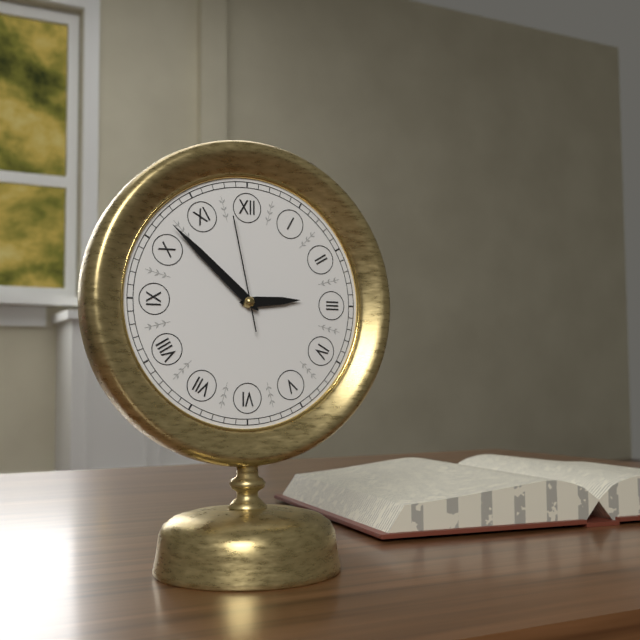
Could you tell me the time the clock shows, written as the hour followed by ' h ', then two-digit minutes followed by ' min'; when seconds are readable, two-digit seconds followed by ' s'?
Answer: 2 h 52 min 58 s
